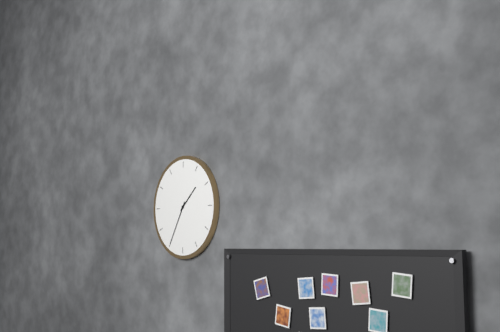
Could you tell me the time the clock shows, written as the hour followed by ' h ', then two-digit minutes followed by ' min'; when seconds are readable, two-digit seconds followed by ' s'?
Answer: 1 h 35 min
